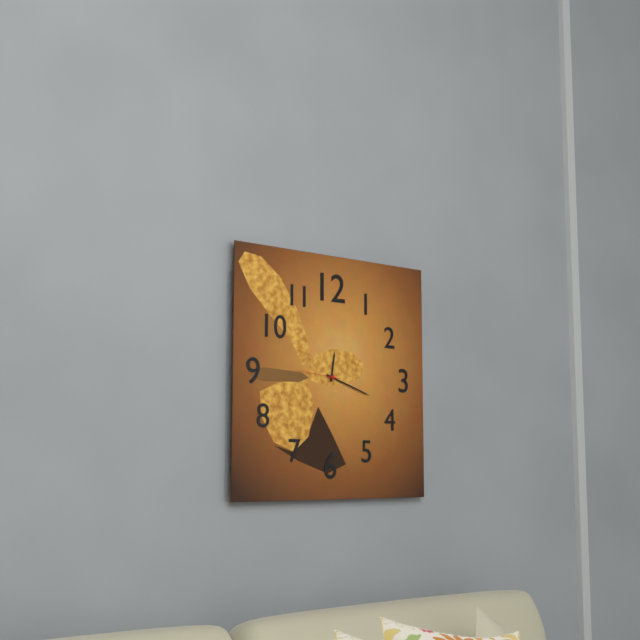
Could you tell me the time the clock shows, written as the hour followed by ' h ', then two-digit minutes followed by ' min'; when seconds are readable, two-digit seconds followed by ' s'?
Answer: 12 h 18 min
